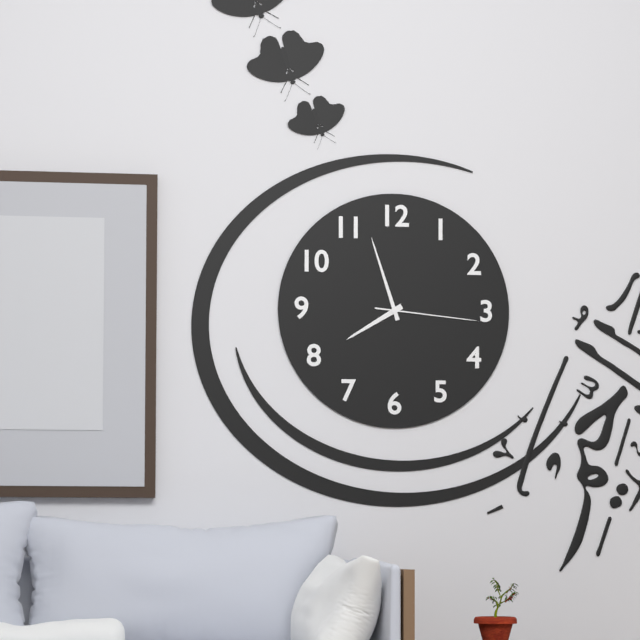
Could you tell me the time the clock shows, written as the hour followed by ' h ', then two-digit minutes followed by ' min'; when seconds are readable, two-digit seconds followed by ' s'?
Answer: 7 h 57 min 16 s
